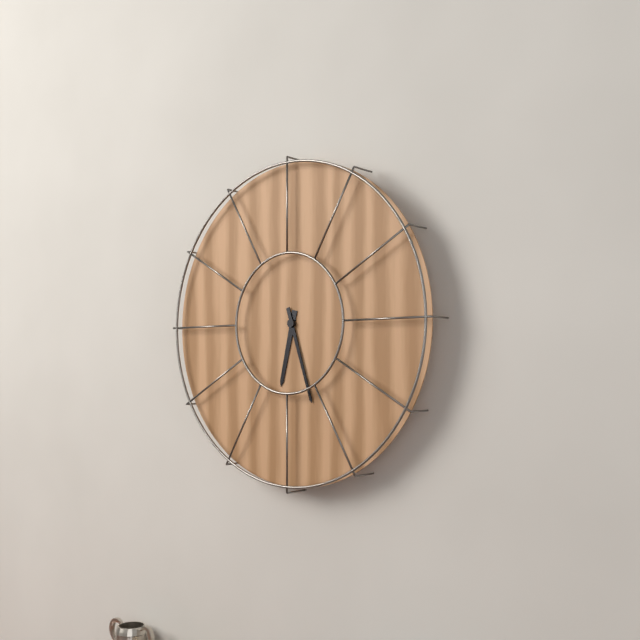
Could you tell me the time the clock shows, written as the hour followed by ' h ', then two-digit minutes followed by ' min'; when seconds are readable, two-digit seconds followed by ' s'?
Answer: 6 h 27 min
